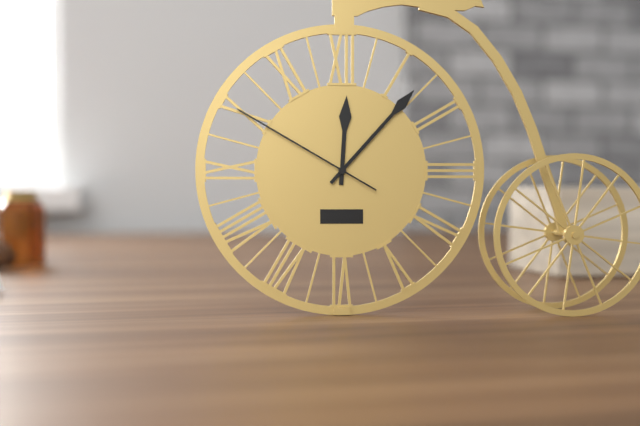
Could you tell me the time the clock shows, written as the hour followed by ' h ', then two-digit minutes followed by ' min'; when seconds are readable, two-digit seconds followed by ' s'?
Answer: 12 h 07 min 50 s
